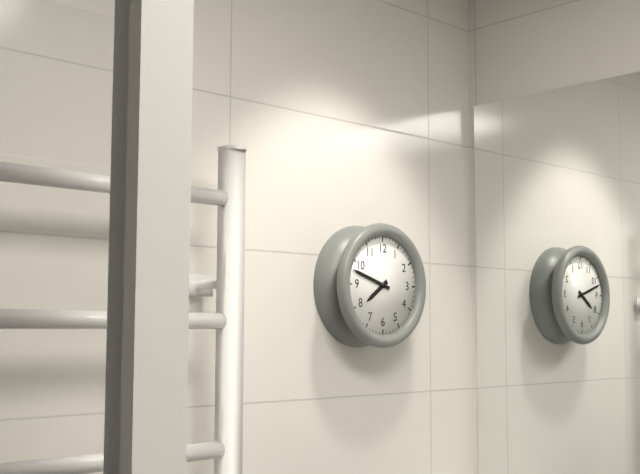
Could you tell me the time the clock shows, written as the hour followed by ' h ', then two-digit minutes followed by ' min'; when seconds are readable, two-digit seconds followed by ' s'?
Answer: 7 h 48 min
